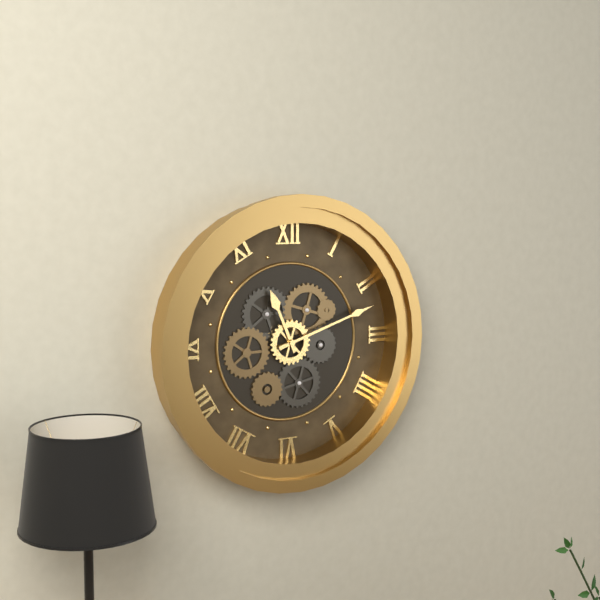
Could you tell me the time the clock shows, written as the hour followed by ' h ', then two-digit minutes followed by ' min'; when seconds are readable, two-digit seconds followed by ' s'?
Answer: 11 h 12 min
